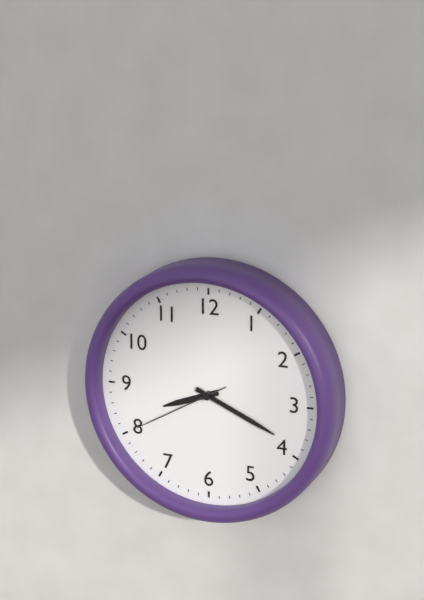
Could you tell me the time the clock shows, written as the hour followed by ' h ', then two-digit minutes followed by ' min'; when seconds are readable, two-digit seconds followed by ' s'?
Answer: 8 h 19 min 40 s
